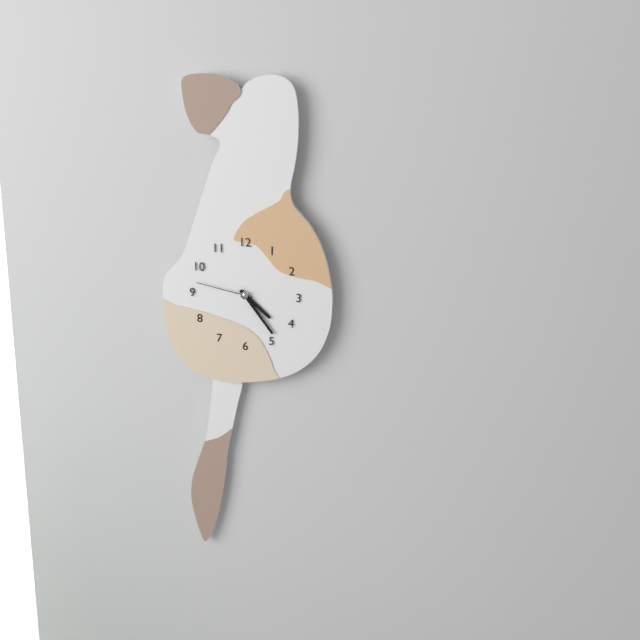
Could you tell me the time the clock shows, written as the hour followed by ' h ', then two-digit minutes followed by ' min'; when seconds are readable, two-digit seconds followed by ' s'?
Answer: 4 h 24 min 47 s
